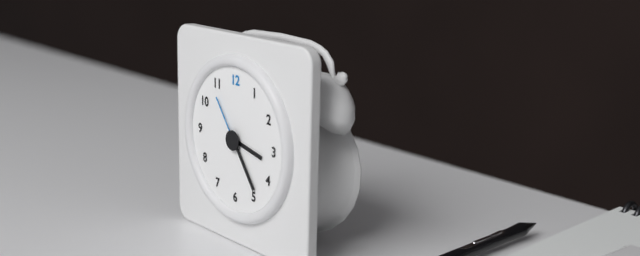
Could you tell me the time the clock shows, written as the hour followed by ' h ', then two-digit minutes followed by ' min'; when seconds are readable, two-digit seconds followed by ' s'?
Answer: 3 h 24 min 54 s
